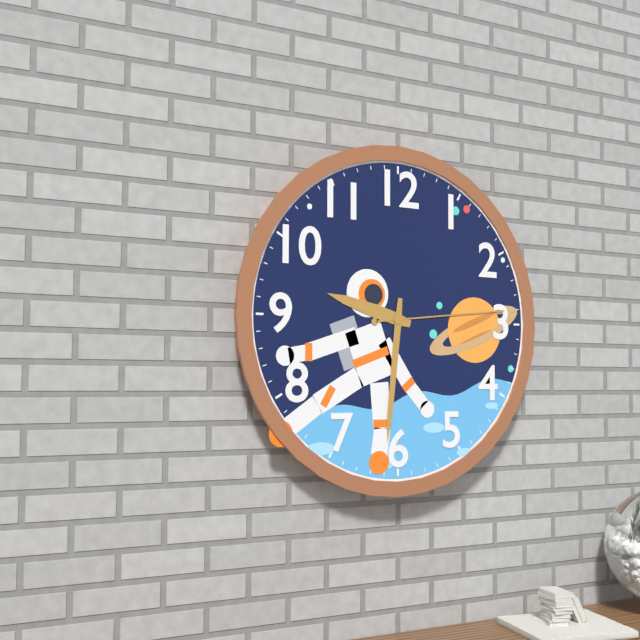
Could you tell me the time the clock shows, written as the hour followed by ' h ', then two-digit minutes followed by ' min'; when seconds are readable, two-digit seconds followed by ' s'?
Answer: 9 h 31 min 14 s
